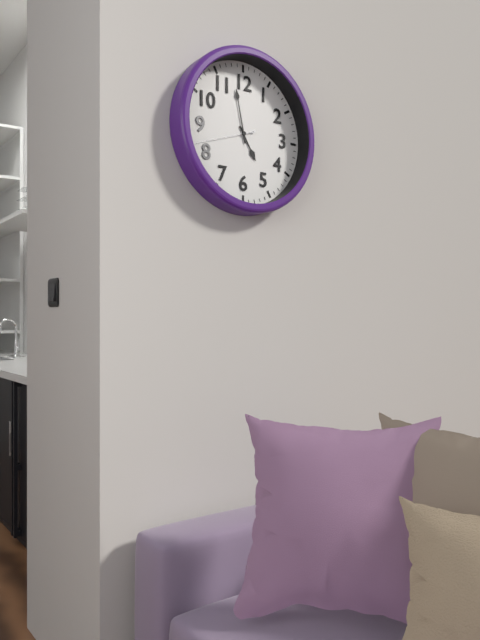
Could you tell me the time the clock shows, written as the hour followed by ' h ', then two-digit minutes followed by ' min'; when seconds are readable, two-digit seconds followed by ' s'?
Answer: 4 h 58 min 42 s
